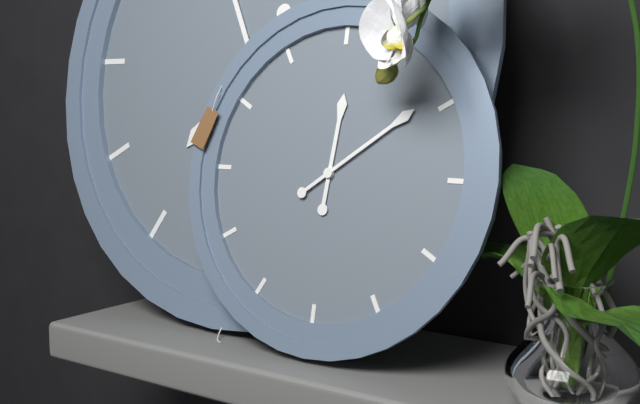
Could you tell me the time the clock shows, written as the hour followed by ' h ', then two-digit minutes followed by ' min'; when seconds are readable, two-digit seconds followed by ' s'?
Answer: 12 h 09 min
